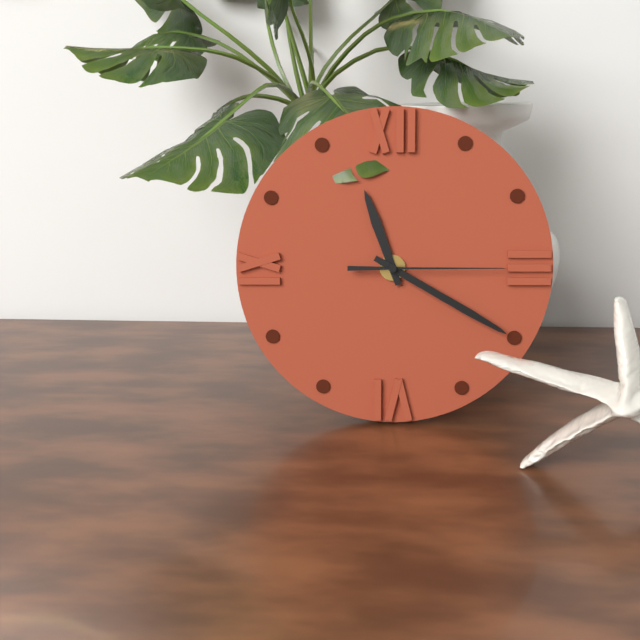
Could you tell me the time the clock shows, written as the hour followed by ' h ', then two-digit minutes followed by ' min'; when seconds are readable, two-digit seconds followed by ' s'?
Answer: 11 h 20 min 15 s
